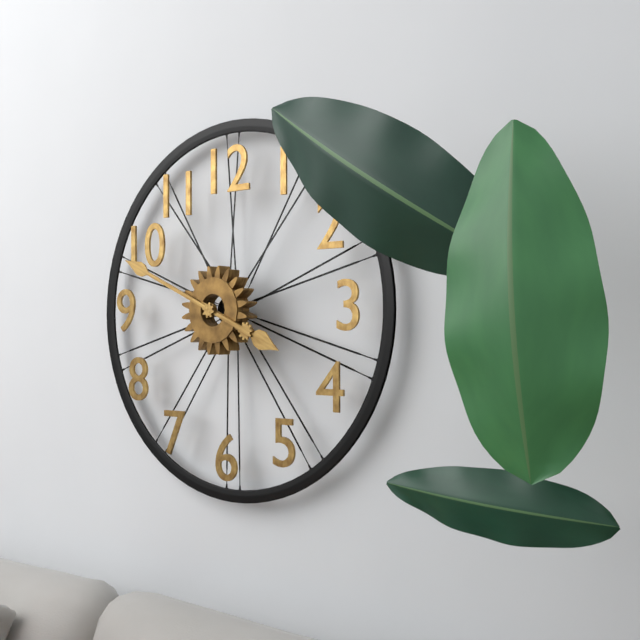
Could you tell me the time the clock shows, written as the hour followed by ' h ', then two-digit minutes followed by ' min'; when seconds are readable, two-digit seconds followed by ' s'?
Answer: 3 h 49 min
